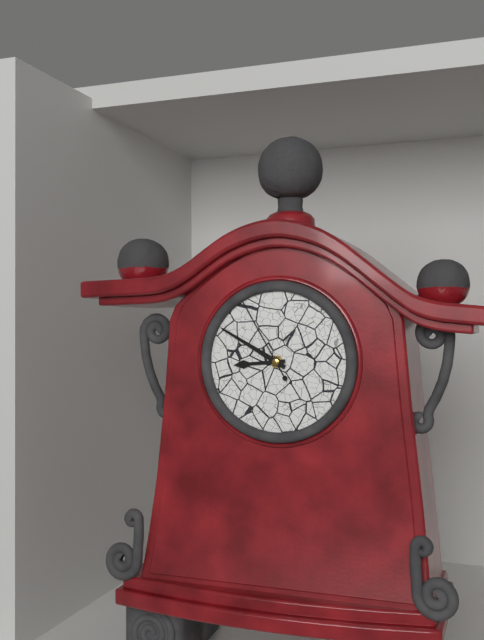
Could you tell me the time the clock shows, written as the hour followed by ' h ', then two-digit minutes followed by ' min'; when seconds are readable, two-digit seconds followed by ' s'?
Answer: 8 h 50 min 55 s
